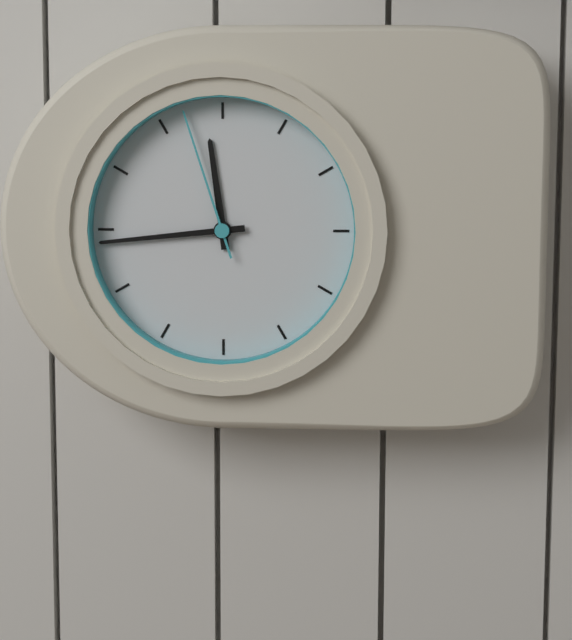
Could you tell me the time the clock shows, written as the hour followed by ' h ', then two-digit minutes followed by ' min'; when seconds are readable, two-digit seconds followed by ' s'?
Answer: 11 h 44 min 57 s
